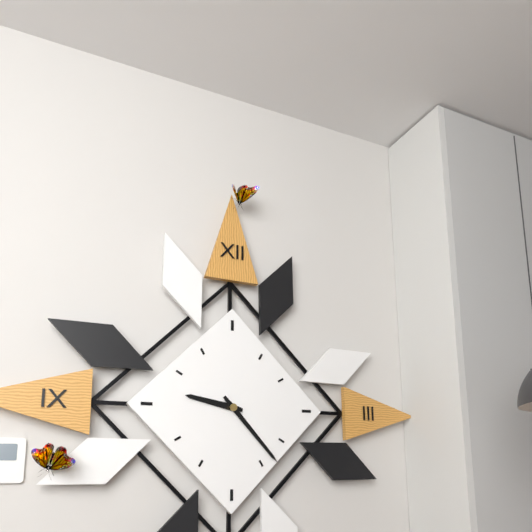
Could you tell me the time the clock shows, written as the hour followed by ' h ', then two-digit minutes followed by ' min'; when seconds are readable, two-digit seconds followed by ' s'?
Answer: 9 h 23 min
